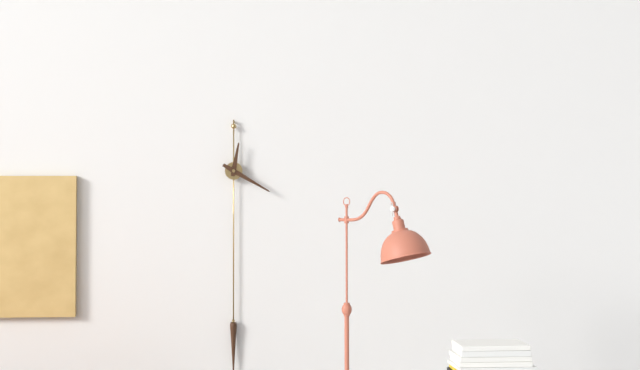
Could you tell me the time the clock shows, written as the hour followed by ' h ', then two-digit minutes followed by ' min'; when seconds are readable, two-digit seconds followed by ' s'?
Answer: 12 h 20 min
